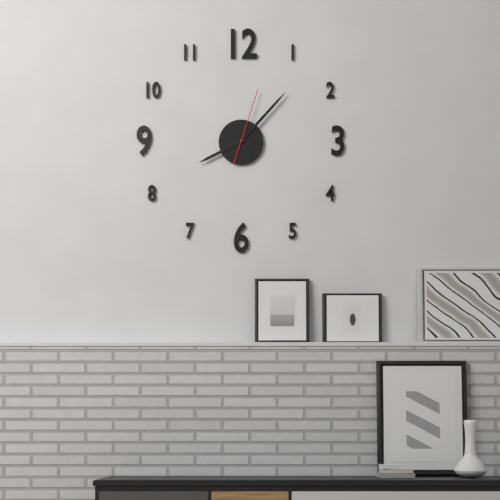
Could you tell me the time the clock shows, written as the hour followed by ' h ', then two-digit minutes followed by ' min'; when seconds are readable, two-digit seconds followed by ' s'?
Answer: 8 h 07 min 03 s
